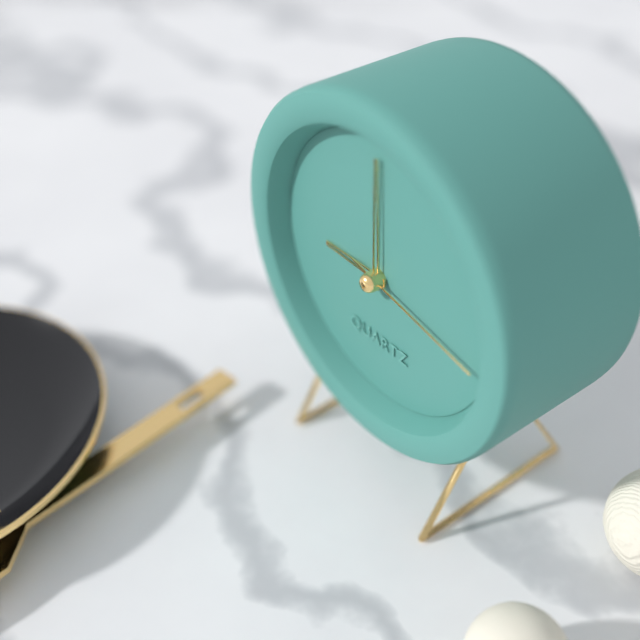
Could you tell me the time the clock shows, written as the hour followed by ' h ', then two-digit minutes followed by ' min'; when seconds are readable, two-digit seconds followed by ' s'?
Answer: 9 h 00 min 17 s
